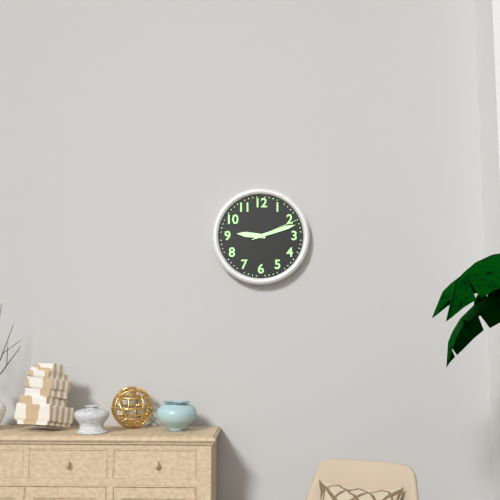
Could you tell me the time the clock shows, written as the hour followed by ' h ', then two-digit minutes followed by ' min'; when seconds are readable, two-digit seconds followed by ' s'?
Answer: 9 h 12 min
